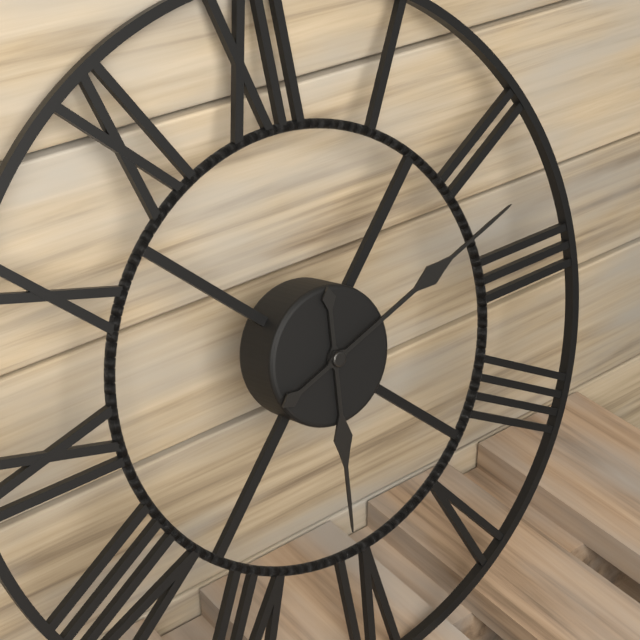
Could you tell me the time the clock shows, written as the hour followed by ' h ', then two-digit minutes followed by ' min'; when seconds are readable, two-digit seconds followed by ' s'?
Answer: 6 h 12 min
